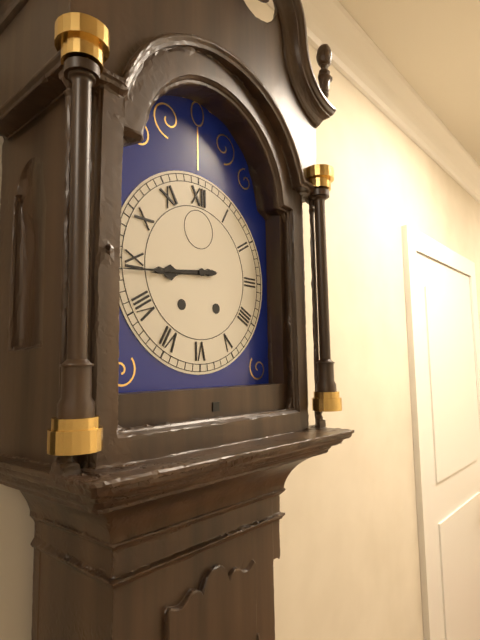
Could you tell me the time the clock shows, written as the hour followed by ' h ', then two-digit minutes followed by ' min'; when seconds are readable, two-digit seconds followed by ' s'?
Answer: 8 h 44 min
